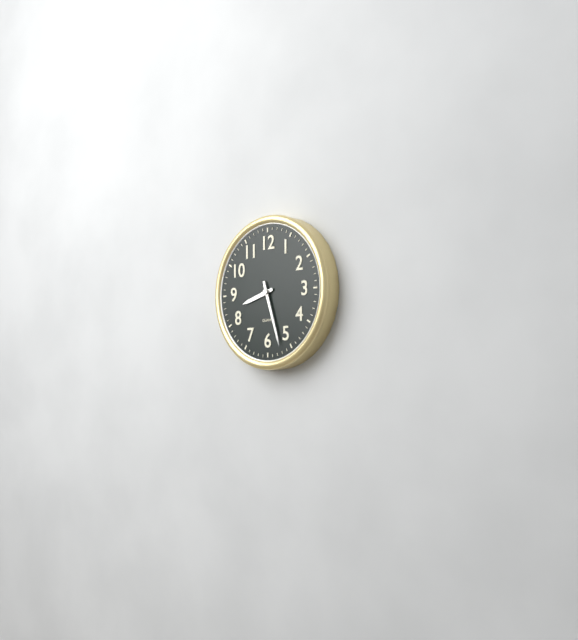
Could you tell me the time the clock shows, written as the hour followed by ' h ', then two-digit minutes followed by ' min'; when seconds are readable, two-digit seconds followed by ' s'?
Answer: 8 h 27 min
